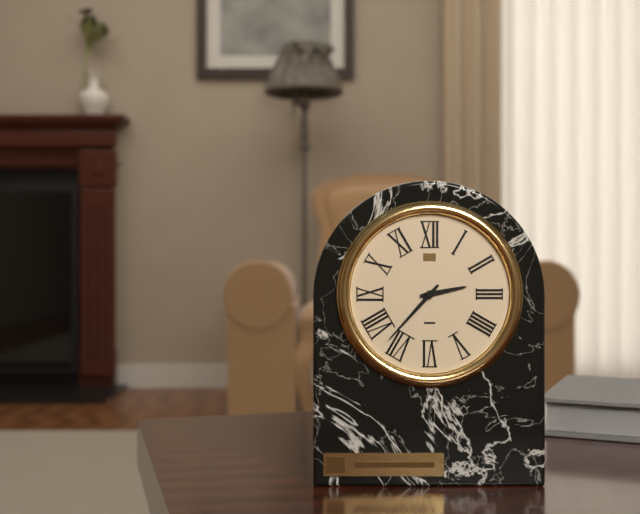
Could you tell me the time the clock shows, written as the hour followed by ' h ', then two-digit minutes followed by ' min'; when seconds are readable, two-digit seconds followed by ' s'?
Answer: 2 h 37 min
